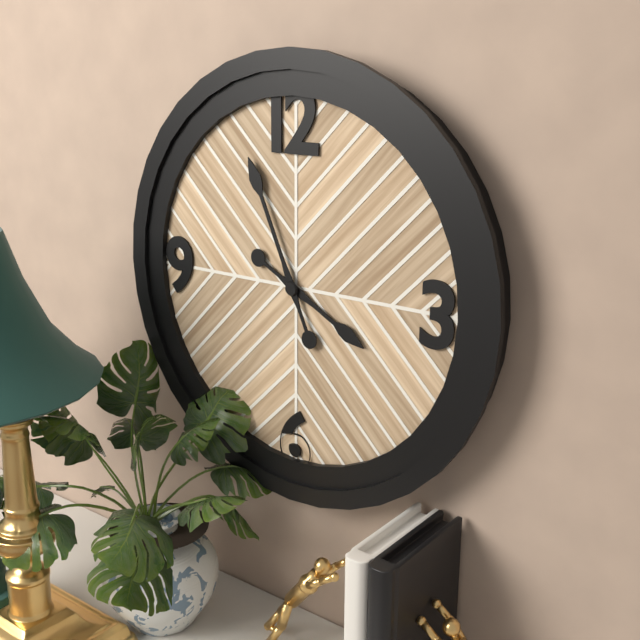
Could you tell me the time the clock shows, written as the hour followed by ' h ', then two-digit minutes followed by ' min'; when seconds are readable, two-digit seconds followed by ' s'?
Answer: 3 h 56 min
